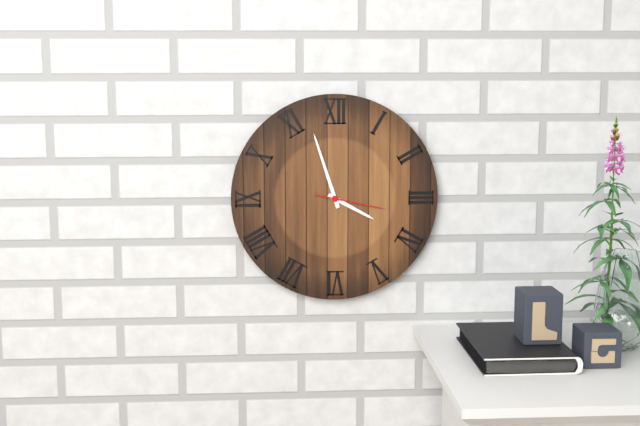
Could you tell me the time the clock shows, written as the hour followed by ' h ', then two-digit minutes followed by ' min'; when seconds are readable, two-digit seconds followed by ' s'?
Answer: 3 h 57 min 17 s
